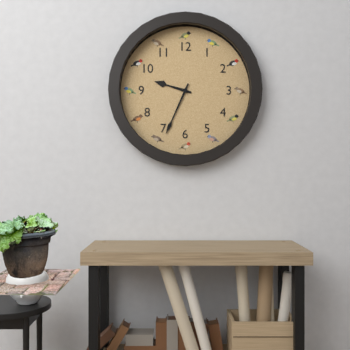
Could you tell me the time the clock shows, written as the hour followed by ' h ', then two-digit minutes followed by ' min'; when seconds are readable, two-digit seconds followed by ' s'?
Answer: 9 h 34 min
